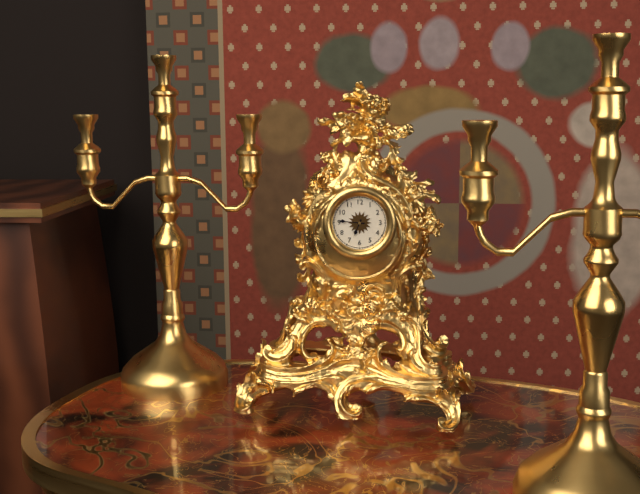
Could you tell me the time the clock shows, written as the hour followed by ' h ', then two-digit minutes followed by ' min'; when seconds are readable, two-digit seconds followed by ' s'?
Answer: 6 h 46 min
